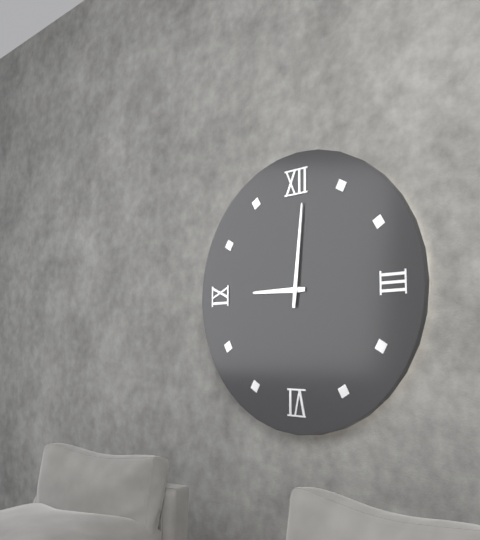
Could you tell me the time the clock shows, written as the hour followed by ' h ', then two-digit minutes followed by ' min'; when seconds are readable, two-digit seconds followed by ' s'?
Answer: 9 h 01 min
